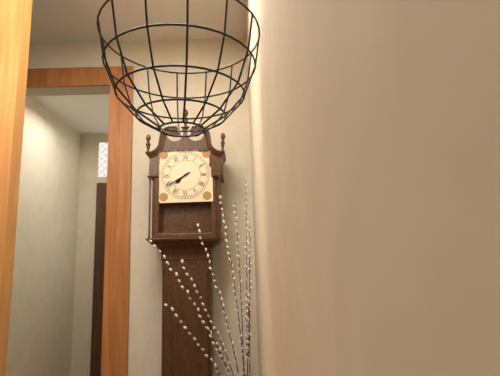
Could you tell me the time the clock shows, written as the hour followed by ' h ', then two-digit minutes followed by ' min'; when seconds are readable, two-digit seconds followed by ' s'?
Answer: 7 h 40 min
